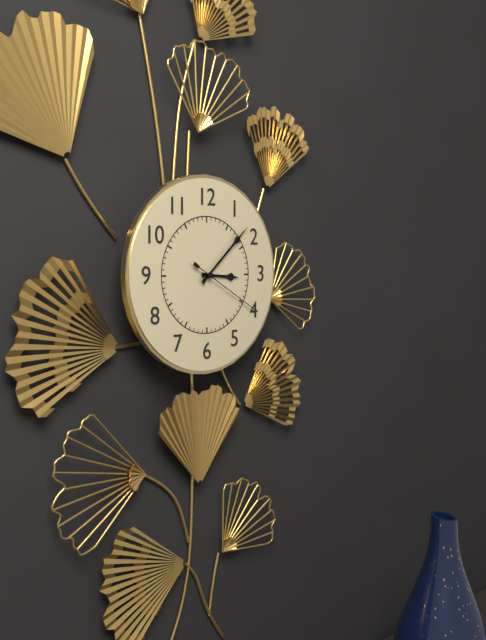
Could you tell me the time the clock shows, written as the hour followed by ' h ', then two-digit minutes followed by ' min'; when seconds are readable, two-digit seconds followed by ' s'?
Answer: 3 h 08 min 20 s
